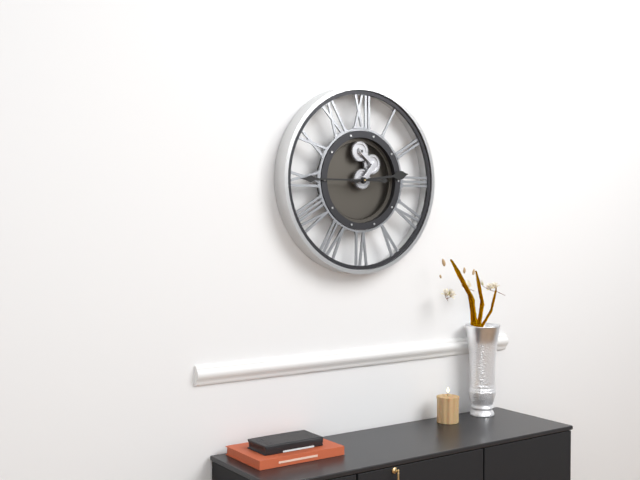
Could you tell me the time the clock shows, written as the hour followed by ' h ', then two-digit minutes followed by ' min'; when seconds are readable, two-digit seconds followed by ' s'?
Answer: 2 h 45 min
